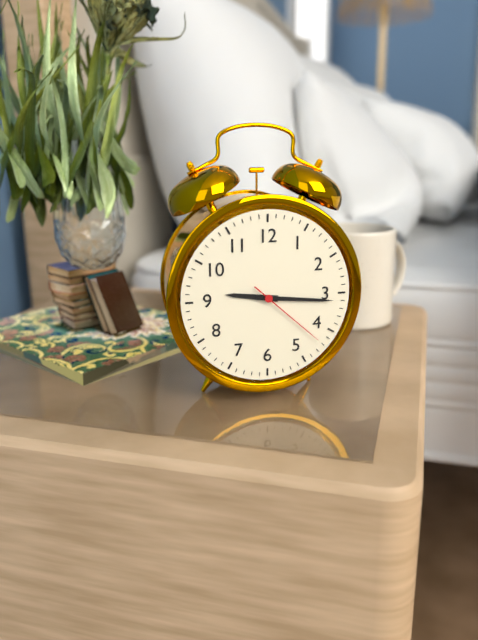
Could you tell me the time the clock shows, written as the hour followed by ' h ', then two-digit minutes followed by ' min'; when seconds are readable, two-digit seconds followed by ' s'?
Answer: 9 h 16 min 22 s
